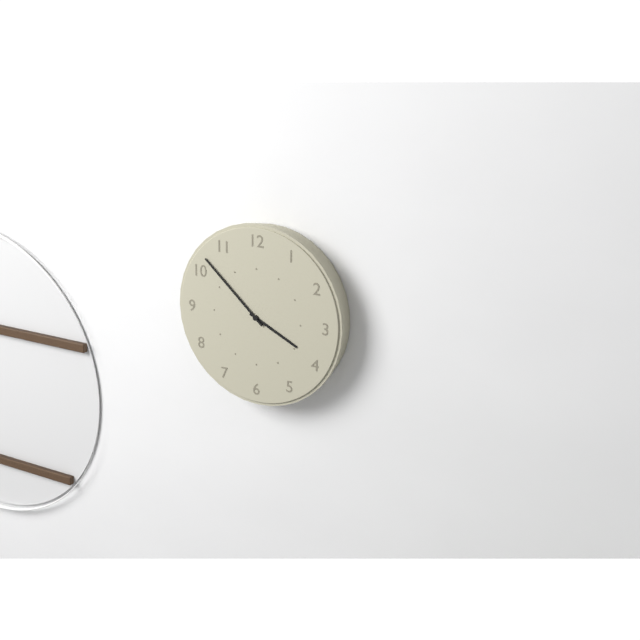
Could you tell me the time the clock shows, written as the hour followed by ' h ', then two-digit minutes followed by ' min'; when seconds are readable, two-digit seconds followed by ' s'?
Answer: 3 h 52 min
